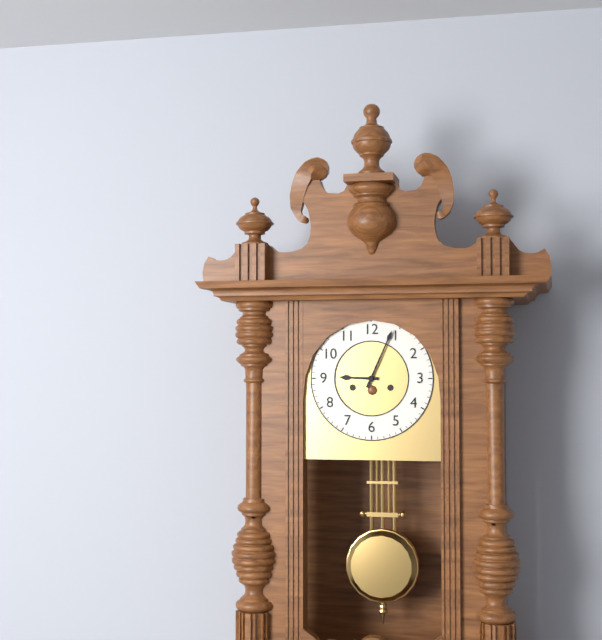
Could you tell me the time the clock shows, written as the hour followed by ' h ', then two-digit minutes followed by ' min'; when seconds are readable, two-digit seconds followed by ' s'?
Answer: 9 h 04 min
